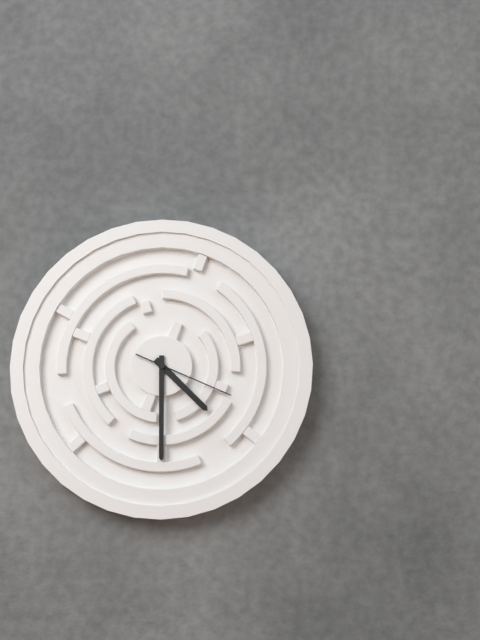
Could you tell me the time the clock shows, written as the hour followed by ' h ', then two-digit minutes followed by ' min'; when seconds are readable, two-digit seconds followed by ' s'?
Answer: 4 h 30 min 19 s
